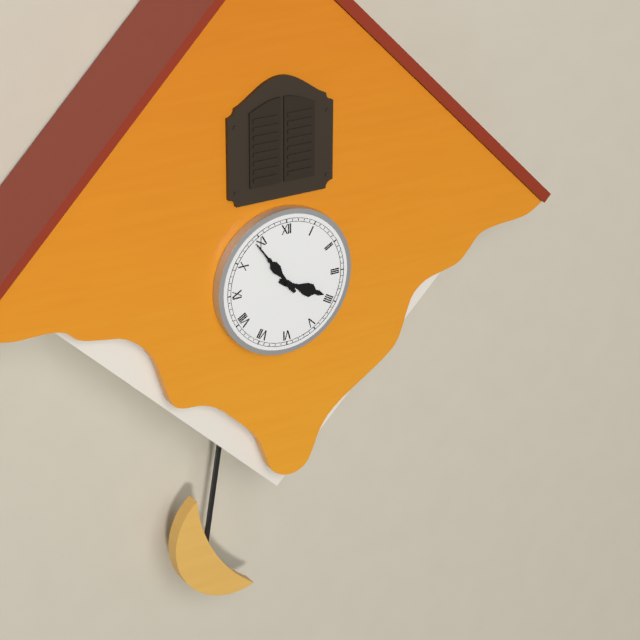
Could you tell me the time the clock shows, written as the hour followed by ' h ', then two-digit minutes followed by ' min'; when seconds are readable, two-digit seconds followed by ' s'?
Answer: 3 h 54 min
